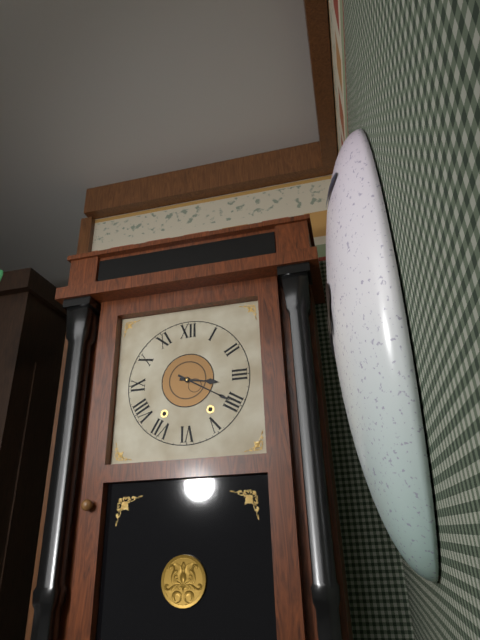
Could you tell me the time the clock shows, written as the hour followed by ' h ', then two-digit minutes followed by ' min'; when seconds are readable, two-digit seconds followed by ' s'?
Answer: 3 h 20 min
